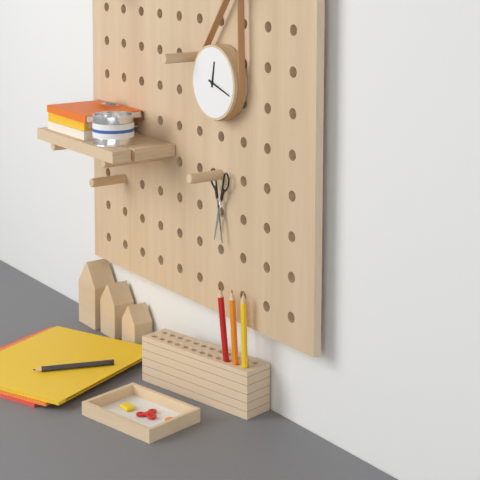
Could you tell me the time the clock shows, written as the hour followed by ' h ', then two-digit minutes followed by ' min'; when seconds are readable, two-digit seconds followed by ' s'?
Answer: 12 h 18 min
